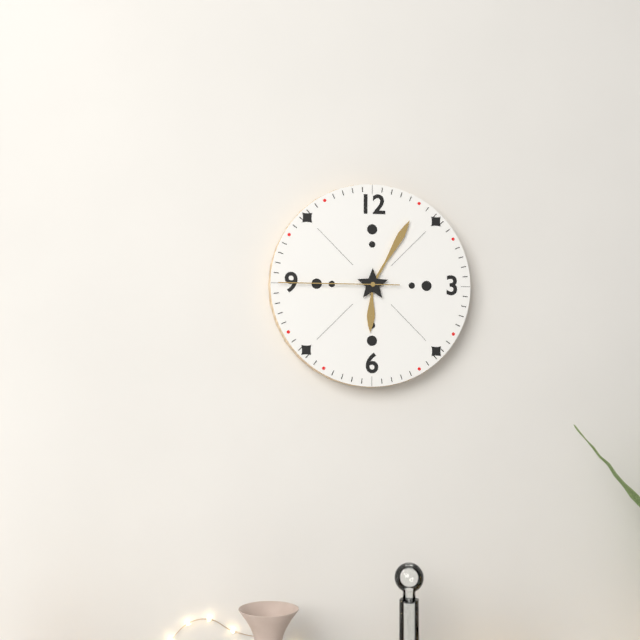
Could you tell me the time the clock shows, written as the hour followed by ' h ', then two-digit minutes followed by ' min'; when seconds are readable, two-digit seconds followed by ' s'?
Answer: 6 h 05 min 45 s
